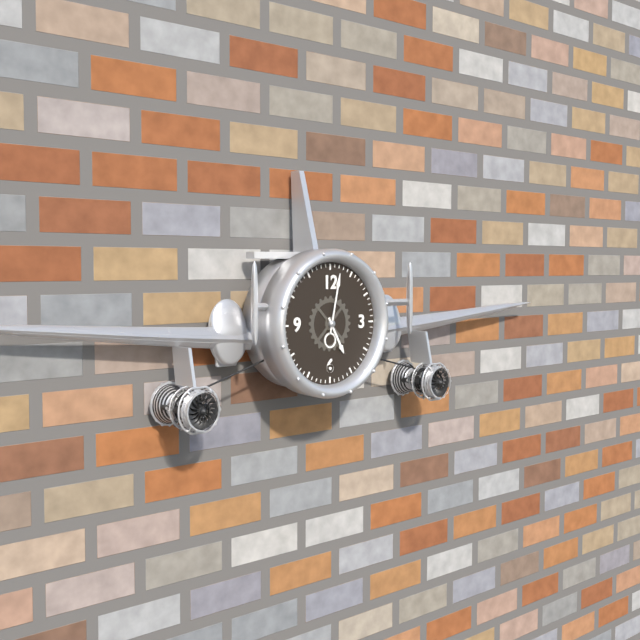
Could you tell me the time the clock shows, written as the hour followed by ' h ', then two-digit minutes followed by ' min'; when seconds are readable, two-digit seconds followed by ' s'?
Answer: 5 h 02 min
